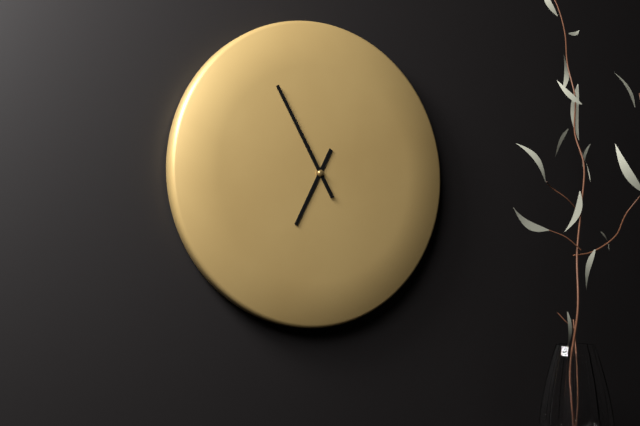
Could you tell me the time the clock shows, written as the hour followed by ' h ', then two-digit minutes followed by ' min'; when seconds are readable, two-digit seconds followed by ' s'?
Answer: 6 h 55 min
